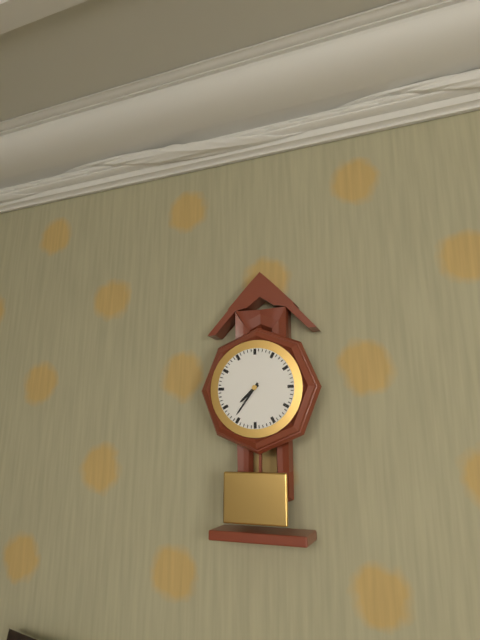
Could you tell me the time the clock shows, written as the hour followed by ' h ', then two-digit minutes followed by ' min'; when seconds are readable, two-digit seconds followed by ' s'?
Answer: 7 h 36 min
